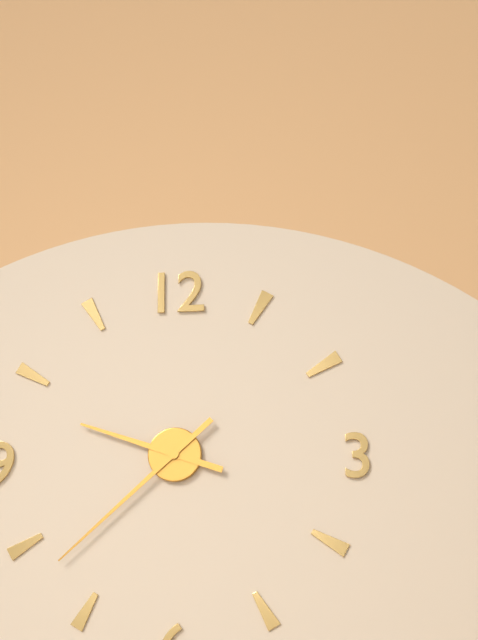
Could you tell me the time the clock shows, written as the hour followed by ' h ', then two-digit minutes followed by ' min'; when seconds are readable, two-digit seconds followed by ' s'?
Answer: 9 h 38 min
